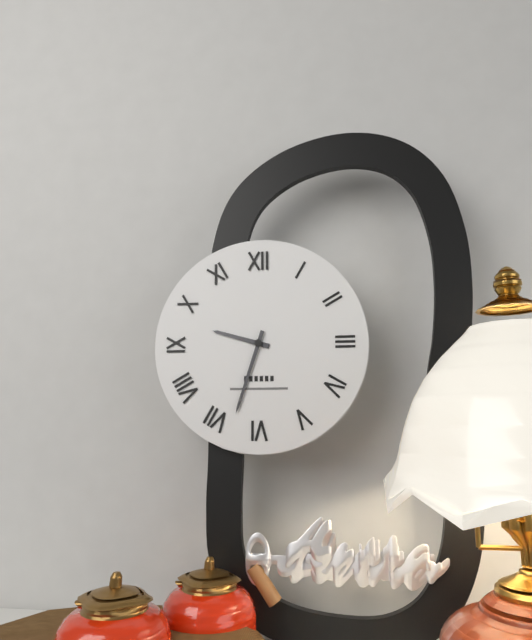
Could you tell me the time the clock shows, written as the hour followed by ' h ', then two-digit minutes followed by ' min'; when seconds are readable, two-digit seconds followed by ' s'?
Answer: 9 h 33 min
